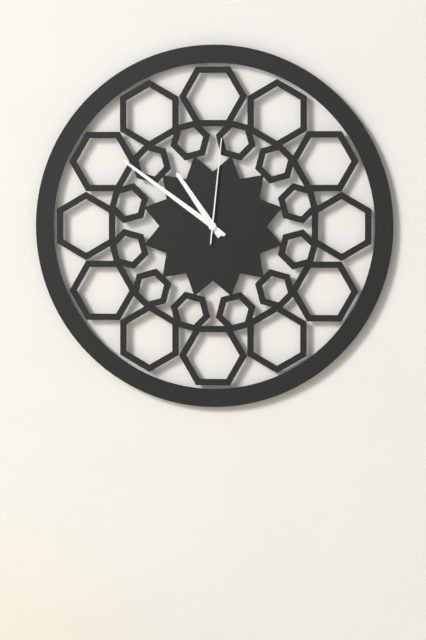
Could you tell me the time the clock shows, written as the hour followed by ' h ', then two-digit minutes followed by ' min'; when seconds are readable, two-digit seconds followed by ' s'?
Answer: 10 h 51 min 01 s
